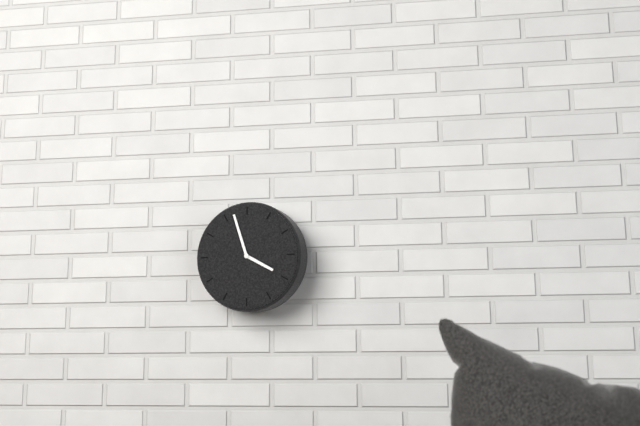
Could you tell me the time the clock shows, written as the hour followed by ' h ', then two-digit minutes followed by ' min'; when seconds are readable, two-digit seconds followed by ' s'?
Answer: 3 h 57 min
